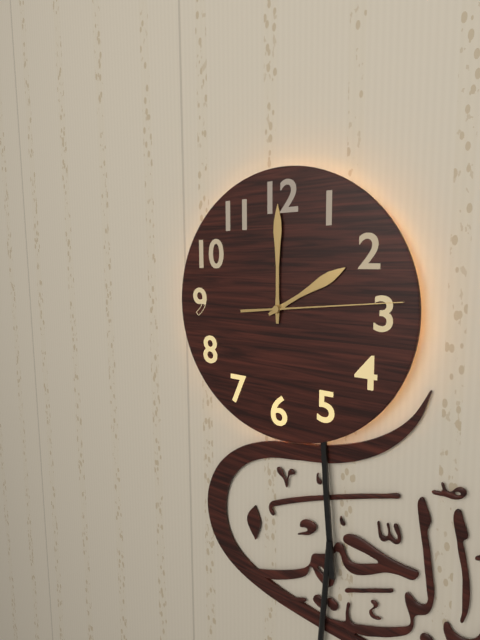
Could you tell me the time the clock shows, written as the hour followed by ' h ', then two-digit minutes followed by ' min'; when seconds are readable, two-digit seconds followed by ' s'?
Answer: 2 h 00 min 14 s
